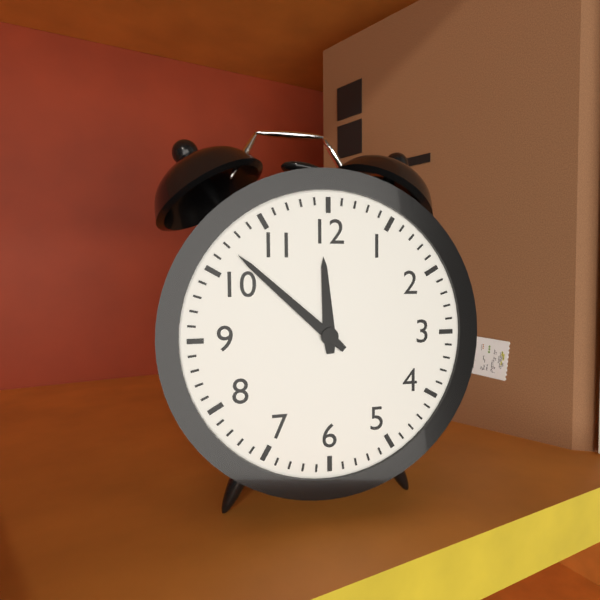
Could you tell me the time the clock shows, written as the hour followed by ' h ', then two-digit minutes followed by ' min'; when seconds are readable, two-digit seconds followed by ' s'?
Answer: 11 h 52 min
